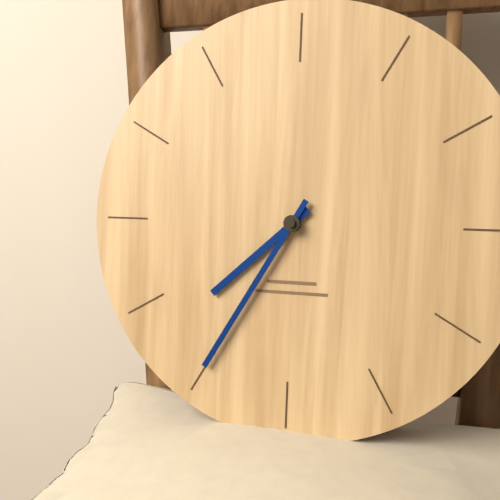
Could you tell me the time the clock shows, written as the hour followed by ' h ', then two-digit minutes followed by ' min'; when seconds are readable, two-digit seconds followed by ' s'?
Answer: 7 h 35 min
